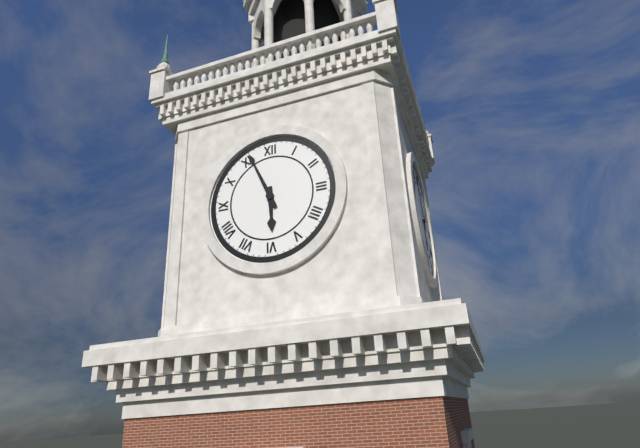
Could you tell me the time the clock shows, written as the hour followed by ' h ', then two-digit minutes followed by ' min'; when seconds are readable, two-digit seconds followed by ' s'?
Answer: 5 h 56 min
